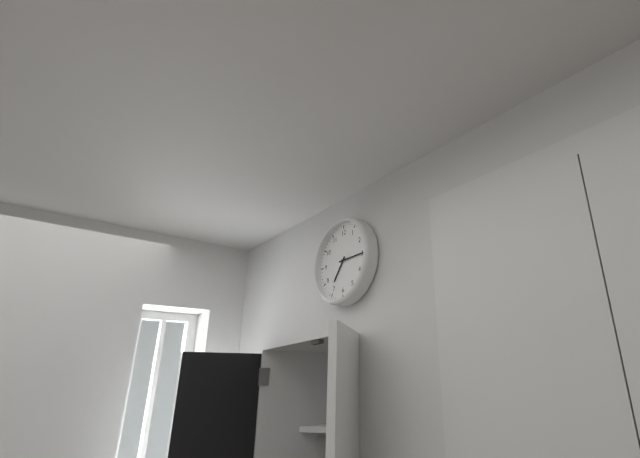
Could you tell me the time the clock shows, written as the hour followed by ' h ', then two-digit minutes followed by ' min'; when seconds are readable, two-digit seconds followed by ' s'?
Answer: 7 h 15 min
